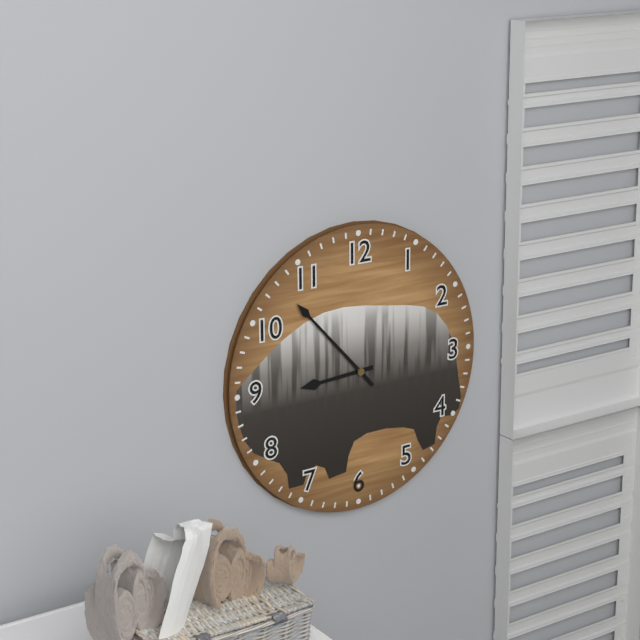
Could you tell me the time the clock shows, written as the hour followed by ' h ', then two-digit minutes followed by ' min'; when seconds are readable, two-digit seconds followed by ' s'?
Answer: 8 h 53 min
